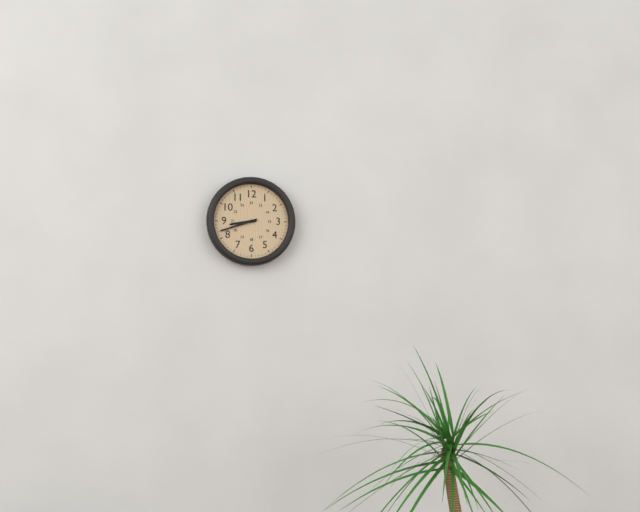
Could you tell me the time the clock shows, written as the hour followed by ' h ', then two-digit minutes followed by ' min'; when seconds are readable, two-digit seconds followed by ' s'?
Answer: 8 h 42 min
